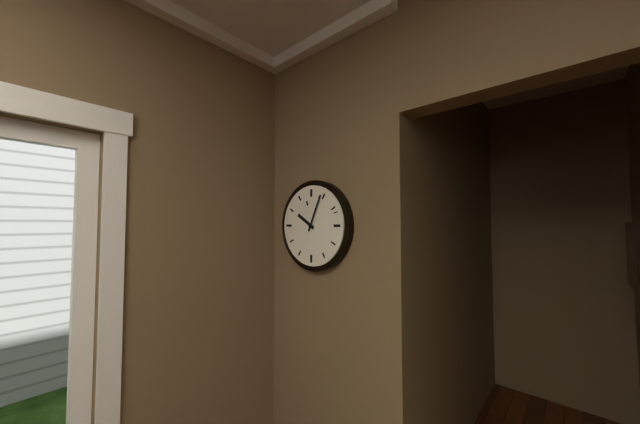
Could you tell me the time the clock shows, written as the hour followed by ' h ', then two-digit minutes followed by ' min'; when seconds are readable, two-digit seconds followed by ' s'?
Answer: 10 h 04 min
